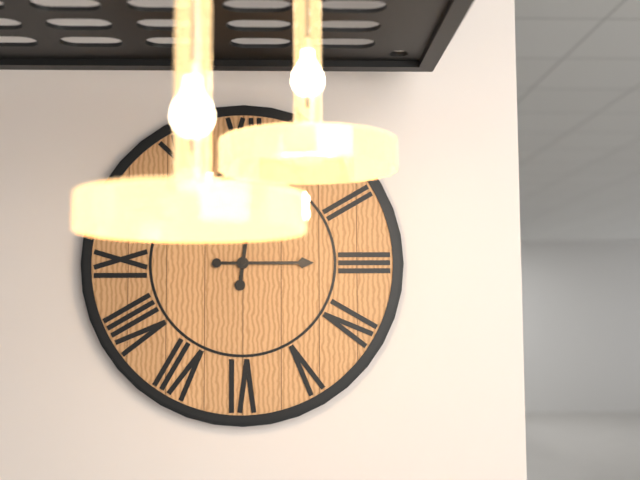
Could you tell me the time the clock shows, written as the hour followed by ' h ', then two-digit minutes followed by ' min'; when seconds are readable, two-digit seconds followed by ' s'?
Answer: 12 h 15 min
